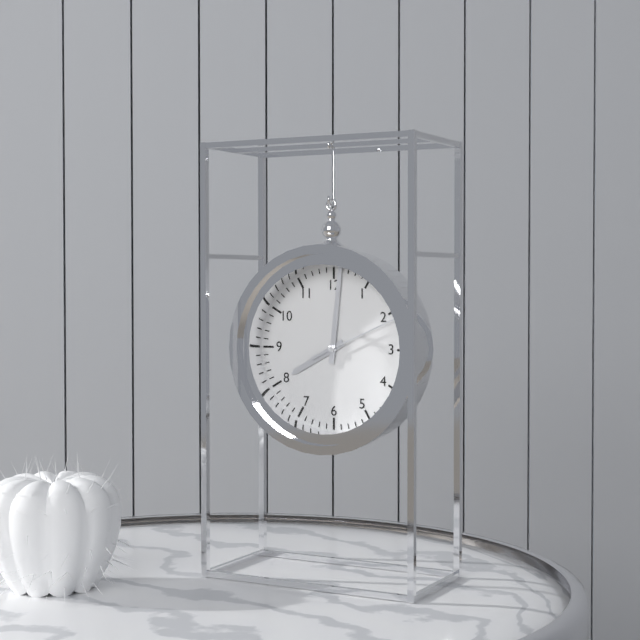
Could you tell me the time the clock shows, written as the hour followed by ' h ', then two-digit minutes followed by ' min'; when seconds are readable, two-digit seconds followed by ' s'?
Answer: 8 h 01 min 11 s
